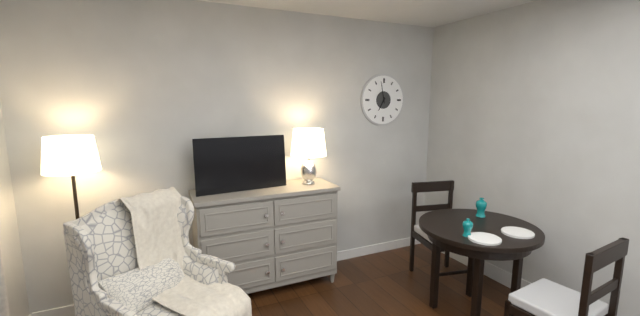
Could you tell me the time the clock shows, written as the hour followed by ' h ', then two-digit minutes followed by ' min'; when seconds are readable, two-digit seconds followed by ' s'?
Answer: 6 h 58 min
